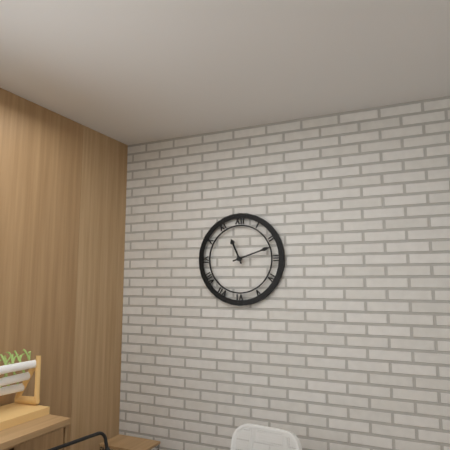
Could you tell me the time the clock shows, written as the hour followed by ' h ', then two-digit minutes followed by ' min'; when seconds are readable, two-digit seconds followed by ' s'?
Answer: 11 h 12 min
